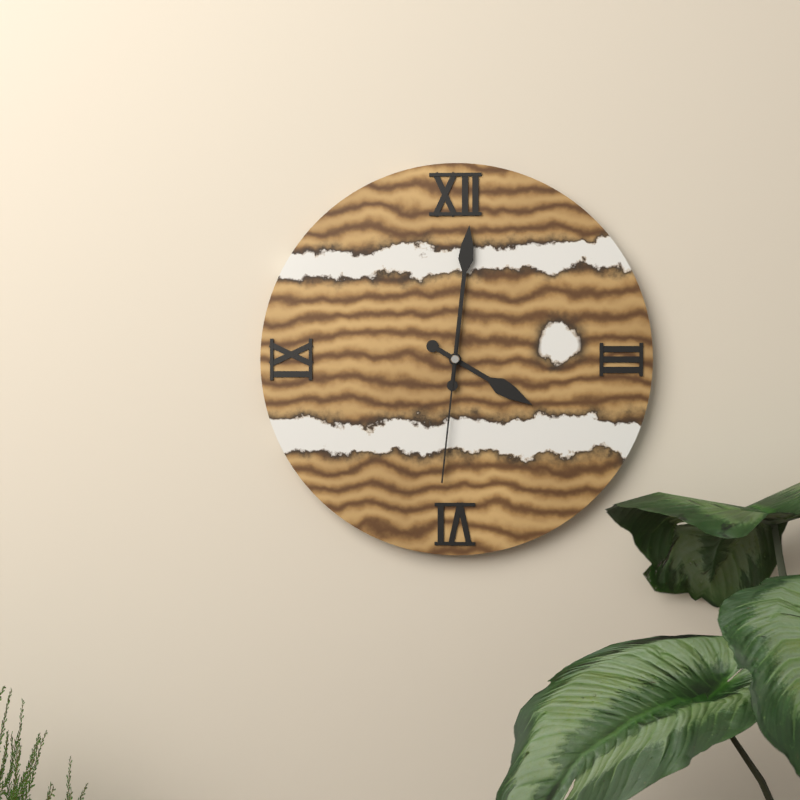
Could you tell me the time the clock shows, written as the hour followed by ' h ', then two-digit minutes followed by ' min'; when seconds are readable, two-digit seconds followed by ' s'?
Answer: 4 h 01 min 31 s
